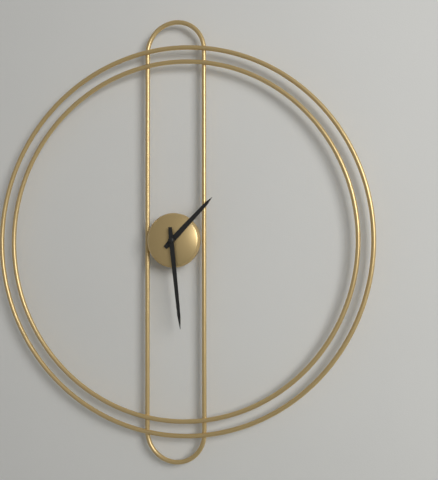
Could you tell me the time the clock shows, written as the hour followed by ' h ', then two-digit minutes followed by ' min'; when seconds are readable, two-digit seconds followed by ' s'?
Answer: 1 h 29 min
